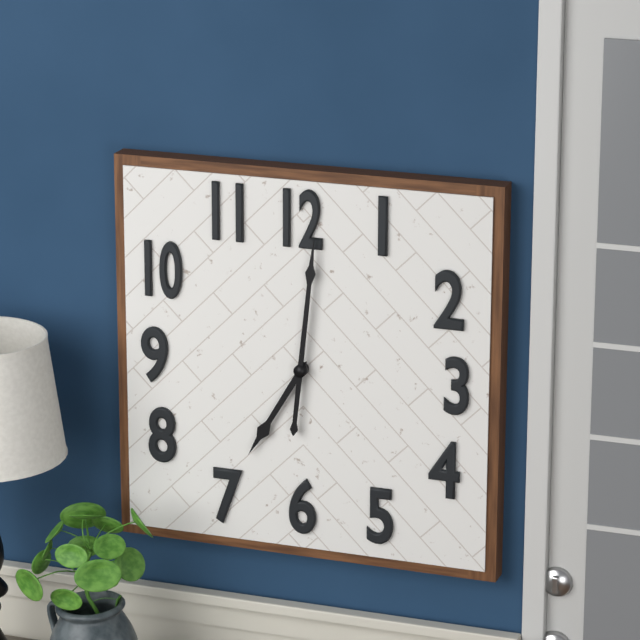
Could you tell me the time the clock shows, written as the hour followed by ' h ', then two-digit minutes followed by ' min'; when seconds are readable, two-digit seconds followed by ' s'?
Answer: 7 h 01 min
